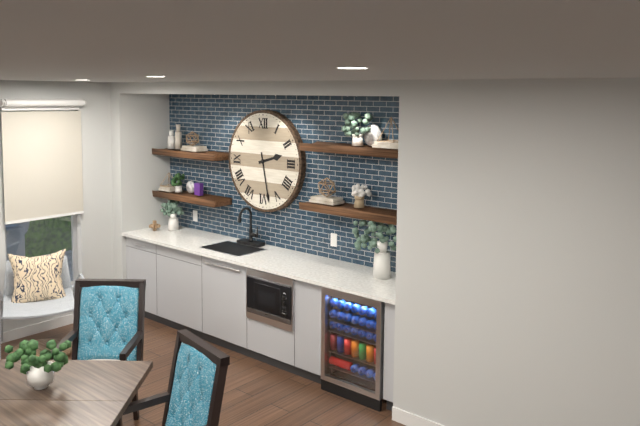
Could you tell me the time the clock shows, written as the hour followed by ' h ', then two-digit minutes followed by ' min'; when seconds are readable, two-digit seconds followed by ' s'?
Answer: 2 h 28 min
